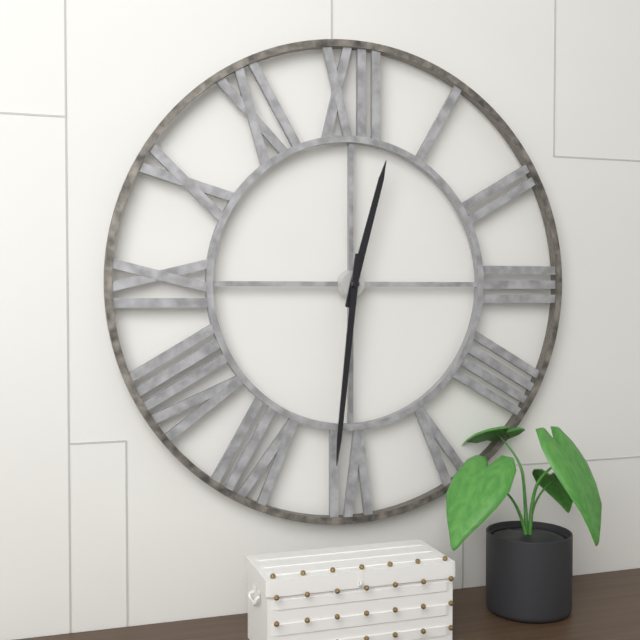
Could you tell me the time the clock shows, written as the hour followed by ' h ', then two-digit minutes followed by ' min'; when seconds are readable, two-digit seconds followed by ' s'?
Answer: 12 h 31 min
